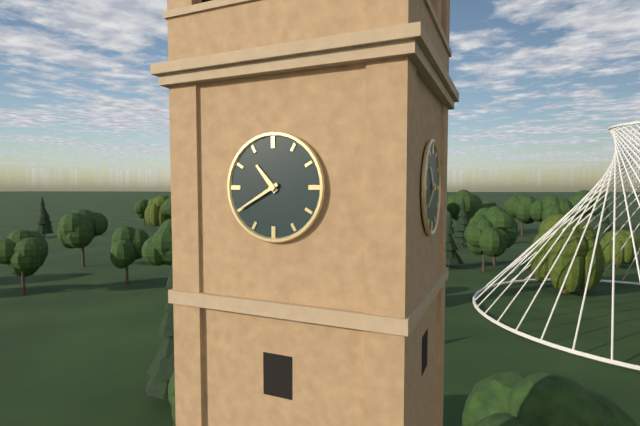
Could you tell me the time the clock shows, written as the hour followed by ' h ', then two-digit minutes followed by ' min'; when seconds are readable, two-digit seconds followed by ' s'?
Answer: 10 h 40 min
